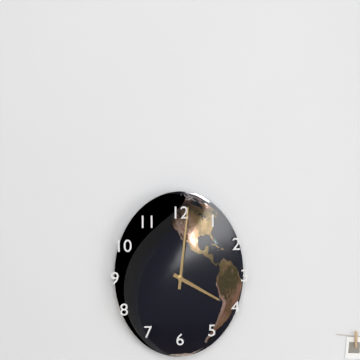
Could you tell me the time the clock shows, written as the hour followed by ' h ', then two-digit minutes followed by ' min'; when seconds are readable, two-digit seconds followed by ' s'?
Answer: 4 h 01 min
